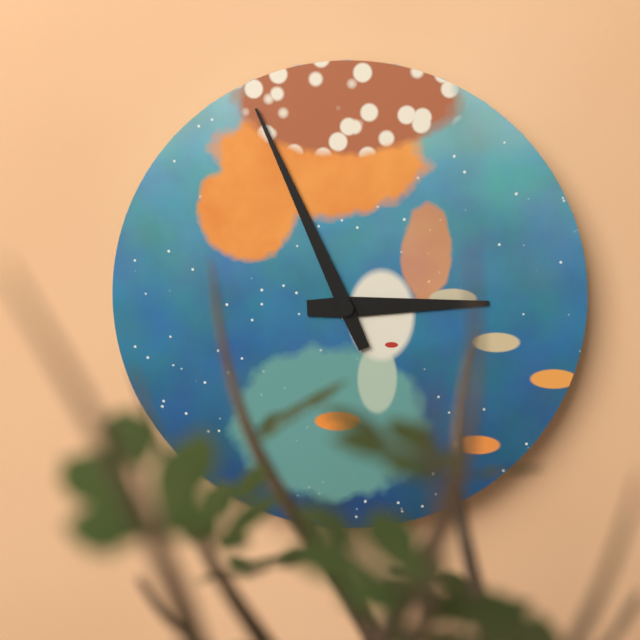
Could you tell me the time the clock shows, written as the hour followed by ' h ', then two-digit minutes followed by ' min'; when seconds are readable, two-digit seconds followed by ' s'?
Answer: 2 h 56 min
